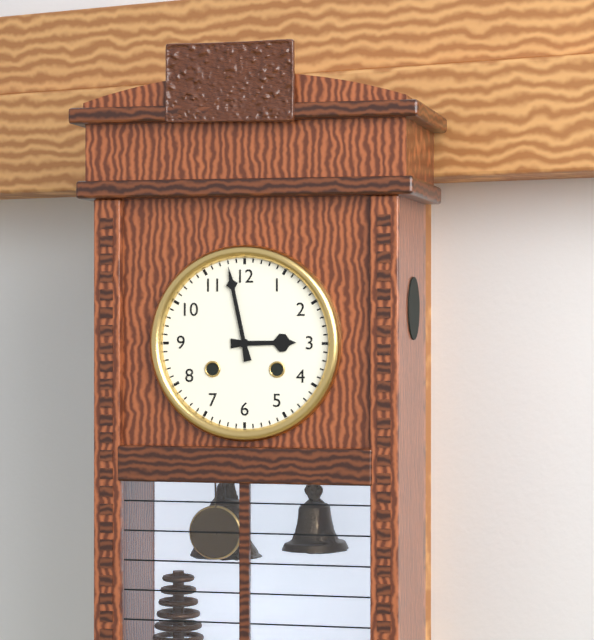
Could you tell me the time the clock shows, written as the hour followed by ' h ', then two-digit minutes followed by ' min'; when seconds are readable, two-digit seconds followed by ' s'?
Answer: 2 h 58 min
